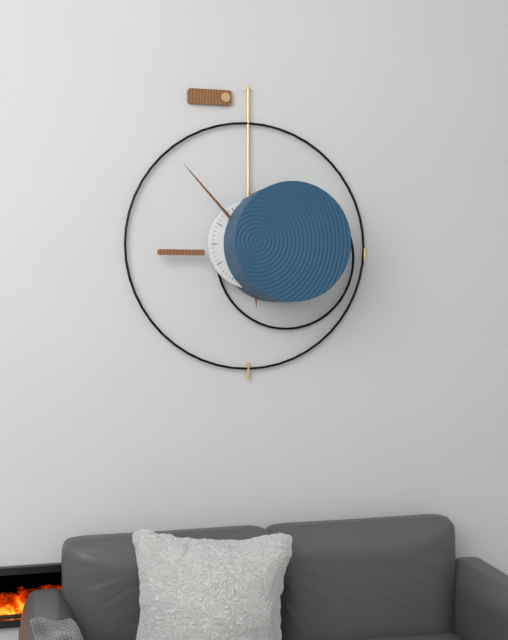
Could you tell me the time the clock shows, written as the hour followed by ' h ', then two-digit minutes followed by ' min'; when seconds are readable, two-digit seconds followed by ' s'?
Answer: 5 h 53 min
